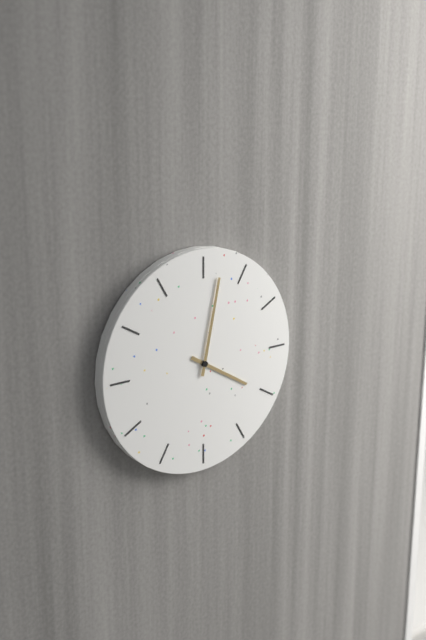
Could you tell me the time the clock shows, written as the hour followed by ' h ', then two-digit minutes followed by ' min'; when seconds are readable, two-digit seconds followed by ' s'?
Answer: 4 h 02 min
